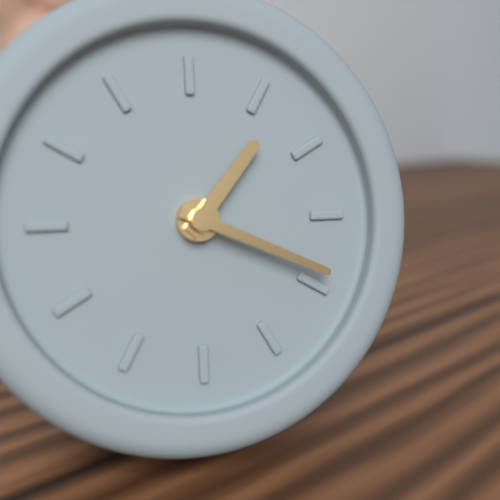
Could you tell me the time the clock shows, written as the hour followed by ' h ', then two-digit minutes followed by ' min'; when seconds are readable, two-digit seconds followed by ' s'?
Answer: 1 h 19 min
